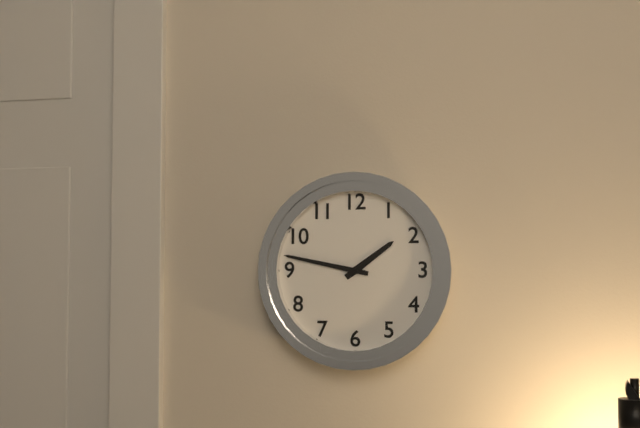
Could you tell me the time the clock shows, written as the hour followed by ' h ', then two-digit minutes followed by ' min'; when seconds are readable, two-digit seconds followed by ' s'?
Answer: 1 h 47 min
